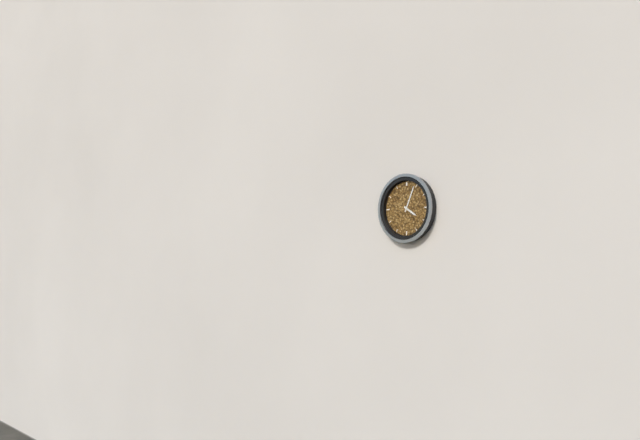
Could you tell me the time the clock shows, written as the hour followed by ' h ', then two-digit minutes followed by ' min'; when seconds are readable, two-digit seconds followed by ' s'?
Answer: 4 h 04 min
